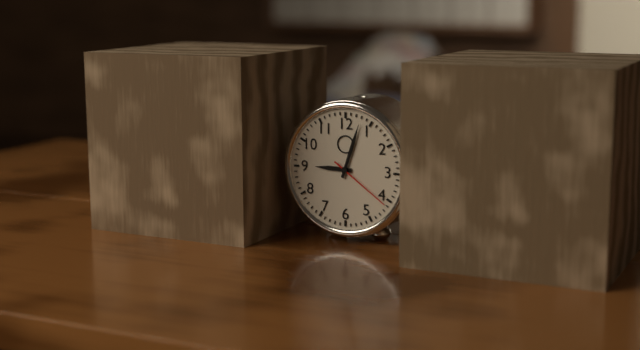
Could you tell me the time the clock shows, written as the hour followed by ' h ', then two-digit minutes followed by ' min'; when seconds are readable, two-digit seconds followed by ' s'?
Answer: 9 h 03 min 21 s
